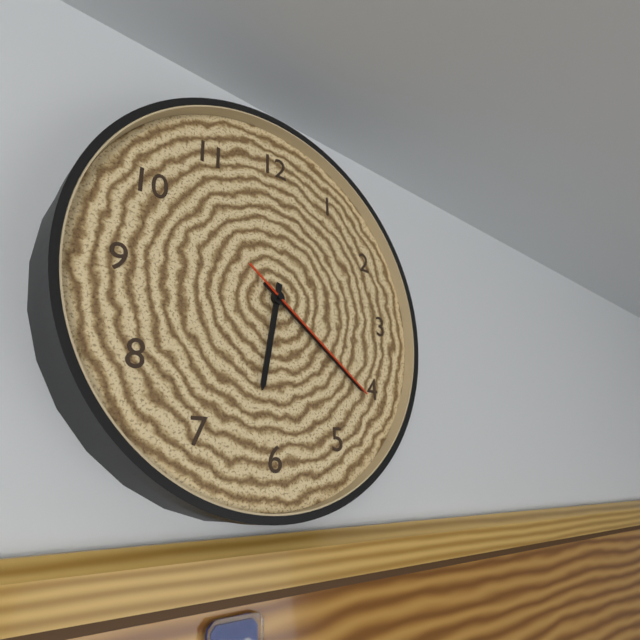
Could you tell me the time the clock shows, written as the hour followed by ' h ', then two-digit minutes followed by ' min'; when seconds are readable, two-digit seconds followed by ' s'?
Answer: 6 h 21 min 21 s
